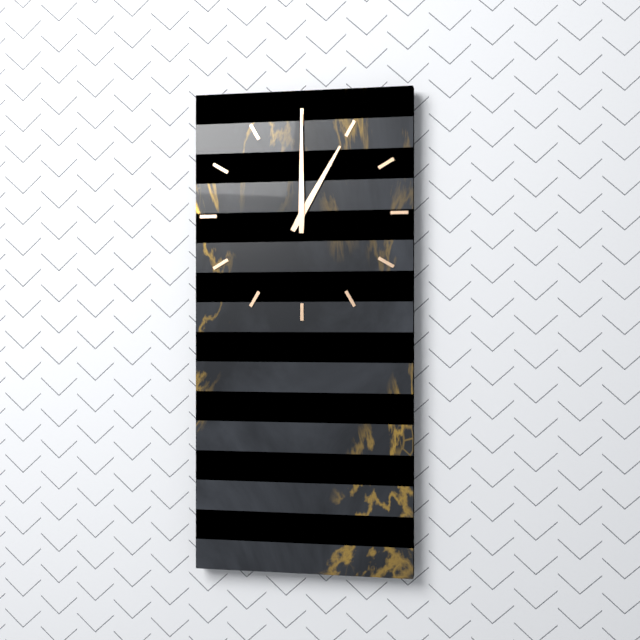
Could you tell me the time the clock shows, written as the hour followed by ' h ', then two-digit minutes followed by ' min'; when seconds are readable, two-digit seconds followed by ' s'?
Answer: 1 h 00 min
